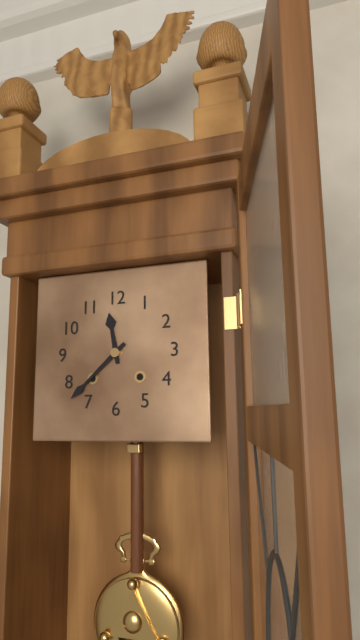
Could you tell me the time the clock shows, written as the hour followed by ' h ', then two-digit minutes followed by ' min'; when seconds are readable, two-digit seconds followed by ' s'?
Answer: 11 h 38 min
